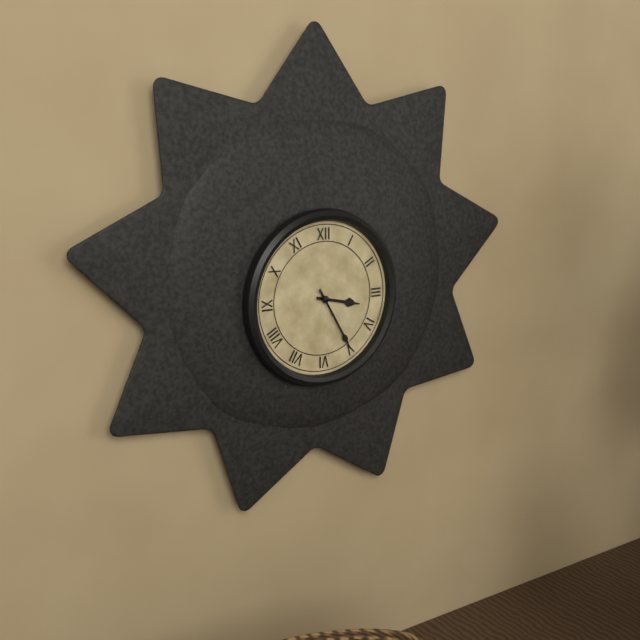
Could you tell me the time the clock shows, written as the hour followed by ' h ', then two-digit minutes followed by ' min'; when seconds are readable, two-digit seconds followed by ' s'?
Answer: 3 h 25 min
